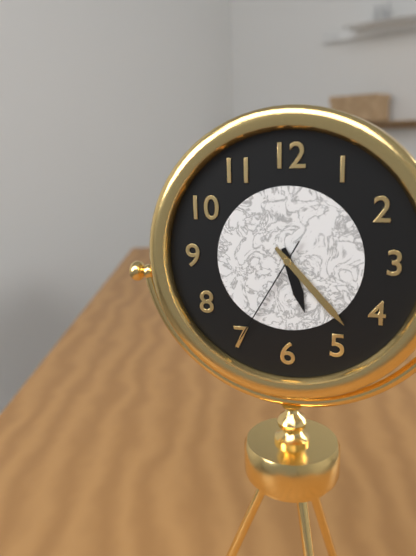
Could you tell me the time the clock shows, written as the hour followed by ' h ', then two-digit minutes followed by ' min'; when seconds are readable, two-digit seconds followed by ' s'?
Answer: 5 h 23 min 35 s
